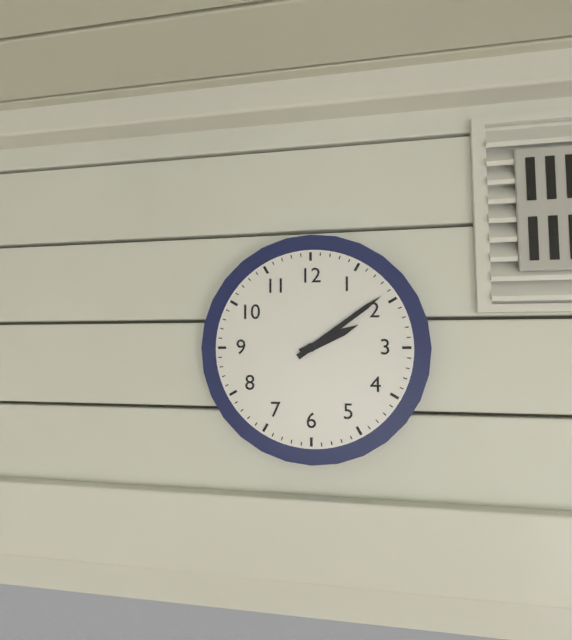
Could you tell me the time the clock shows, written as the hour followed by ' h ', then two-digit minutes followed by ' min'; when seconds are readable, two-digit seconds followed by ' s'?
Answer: 2 h 09 min
